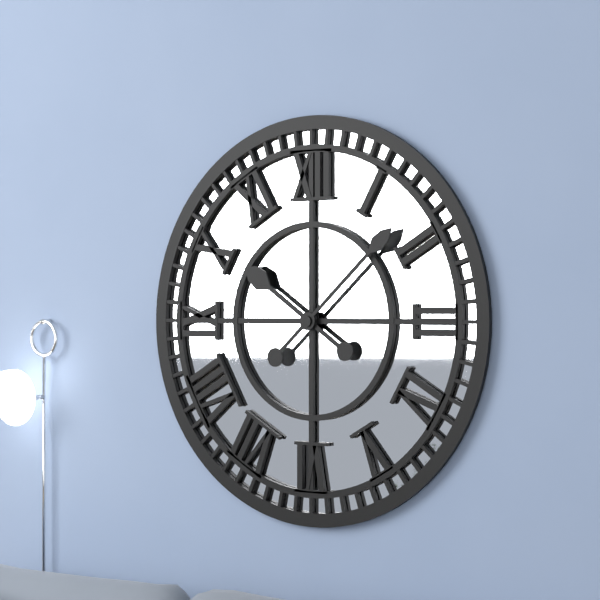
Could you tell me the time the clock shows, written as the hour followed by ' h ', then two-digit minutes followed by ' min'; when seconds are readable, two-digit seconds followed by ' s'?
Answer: 10 h 08 min
